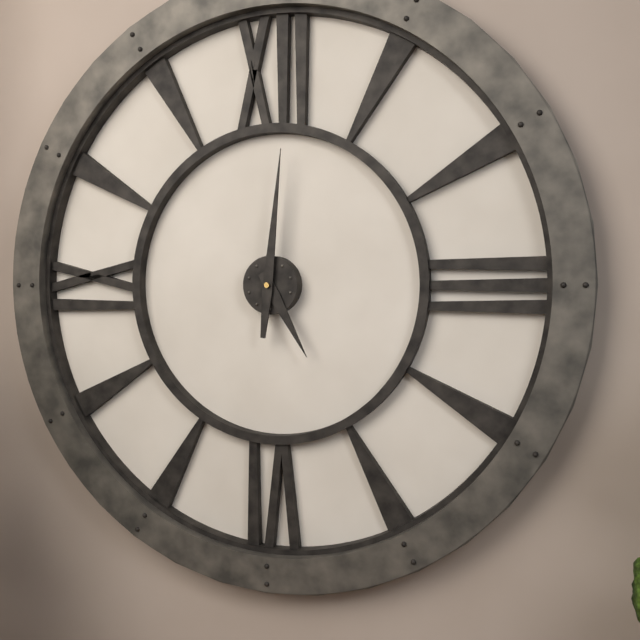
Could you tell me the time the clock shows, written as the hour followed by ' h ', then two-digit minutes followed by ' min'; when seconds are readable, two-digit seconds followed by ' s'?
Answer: 5 h 01 min
